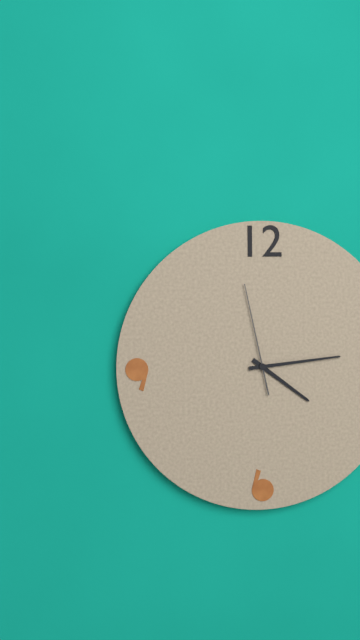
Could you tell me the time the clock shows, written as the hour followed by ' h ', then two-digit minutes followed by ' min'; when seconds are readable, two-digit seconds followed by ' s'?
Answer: 4 h 14 min 58 s
